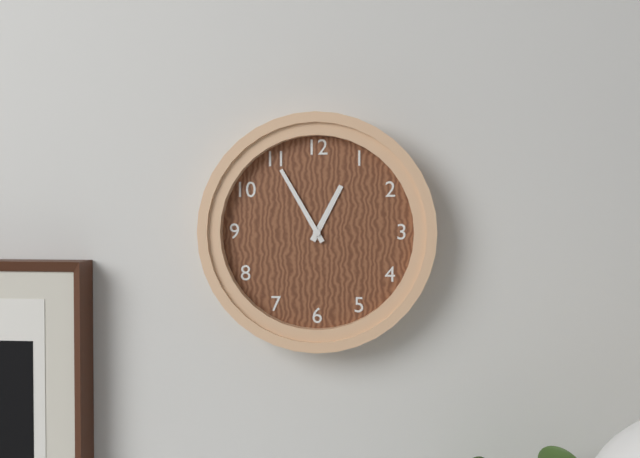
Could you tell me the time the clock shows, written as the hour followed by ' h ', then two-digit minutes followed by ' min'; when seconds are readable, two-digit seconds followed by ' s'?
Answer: 12 h 55 min
